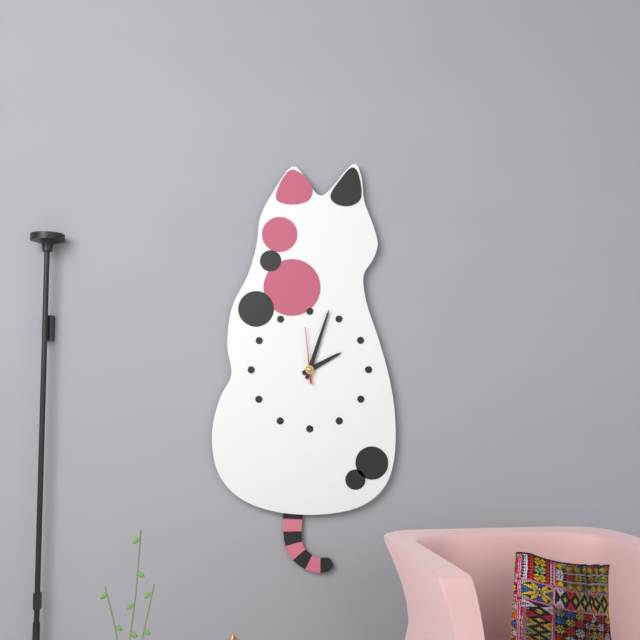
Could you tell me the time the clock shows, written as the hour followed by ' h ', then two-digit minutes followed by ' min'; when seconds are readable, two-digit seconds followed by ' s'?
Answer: 2 h 03 min 59 s
